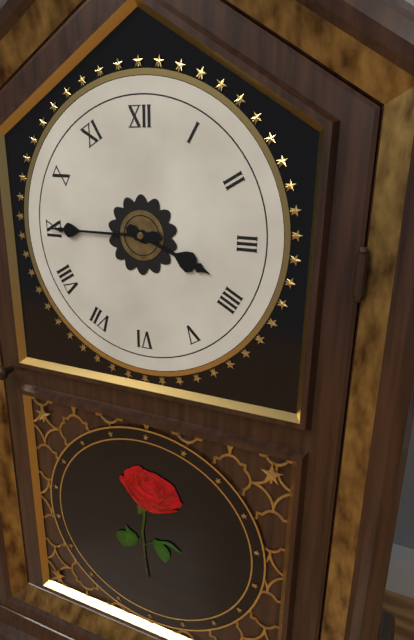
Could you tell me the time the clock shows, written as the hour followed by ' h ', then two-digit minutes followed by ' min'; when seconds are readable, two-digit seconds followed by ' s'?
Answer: 3 h 45 min
